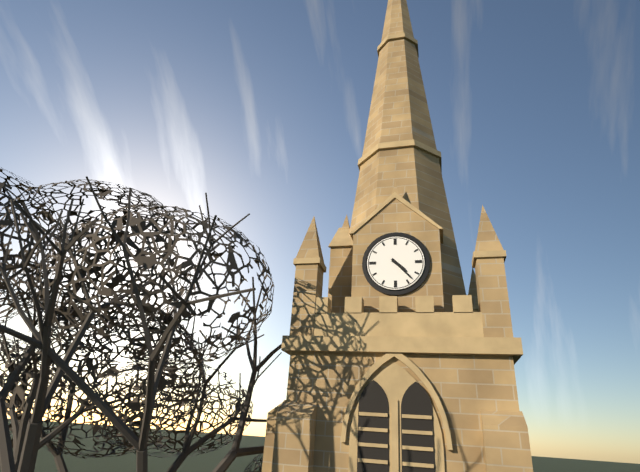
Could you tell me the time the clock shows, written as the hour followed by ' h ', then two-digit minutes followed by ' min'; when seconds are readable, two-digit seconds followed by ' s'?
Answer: 4 h 23 min
